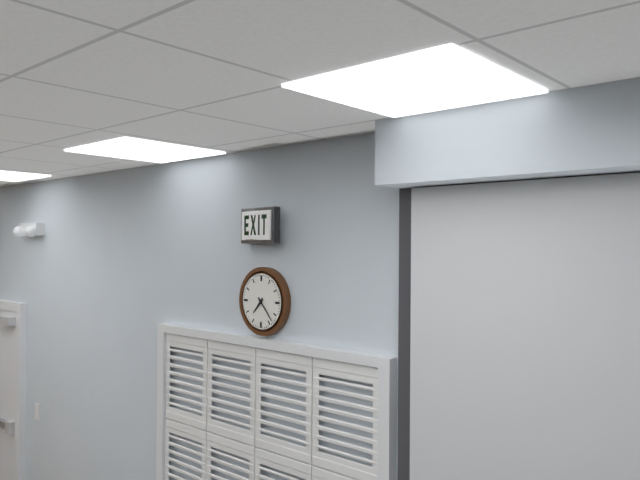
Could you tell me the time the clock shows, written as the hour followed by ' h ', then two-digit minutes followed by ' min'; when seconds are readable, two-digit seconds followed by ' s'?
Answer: 7 h 23 min
